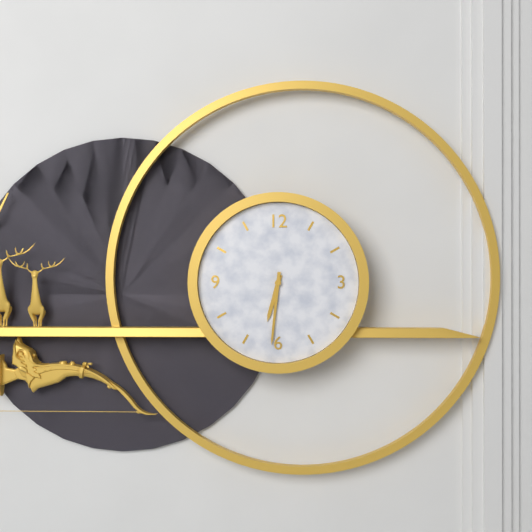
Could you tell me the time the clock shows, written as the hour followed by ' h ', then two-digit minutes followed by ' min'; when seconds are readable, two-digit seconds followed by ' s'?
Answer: 6 h 31 min
